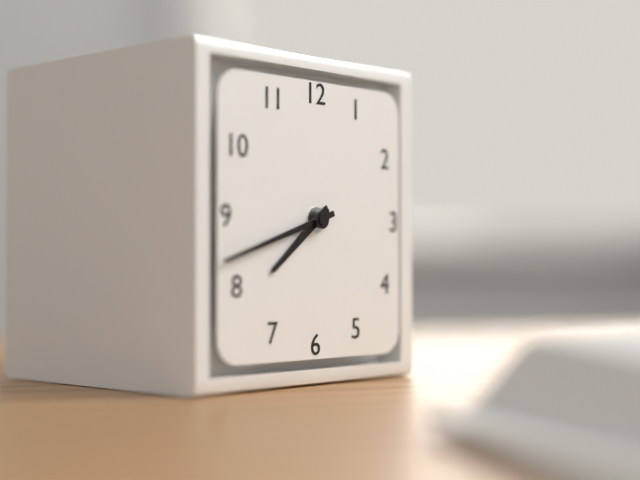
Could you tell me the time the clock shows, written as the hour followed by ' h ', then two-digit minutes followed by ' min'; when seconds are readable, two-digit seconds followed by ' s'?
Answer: 7 h 42 min
